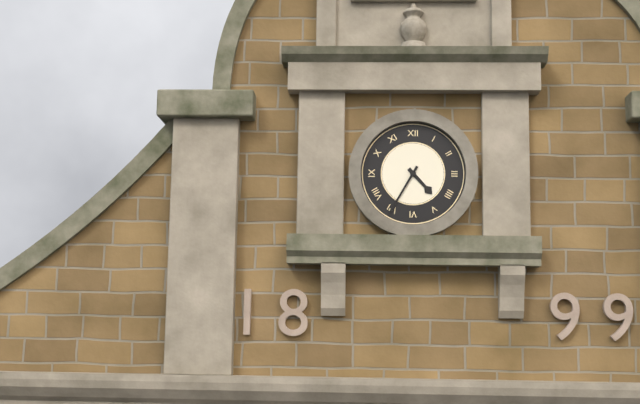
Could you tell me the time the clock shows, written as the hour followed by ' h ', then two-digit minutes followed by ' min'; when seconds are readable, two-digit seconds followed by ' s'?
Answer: 4 h 35 min
